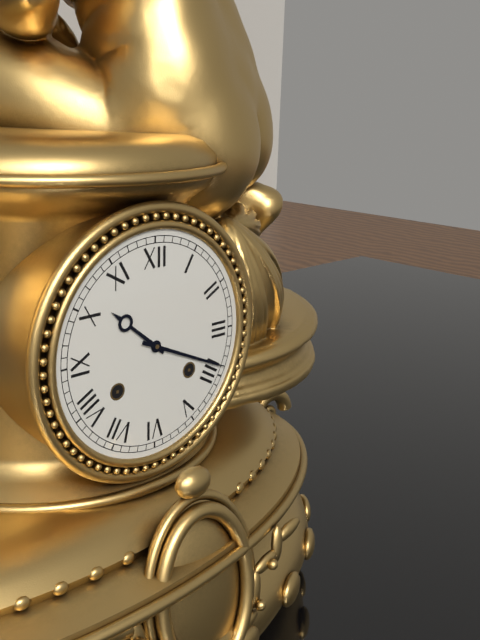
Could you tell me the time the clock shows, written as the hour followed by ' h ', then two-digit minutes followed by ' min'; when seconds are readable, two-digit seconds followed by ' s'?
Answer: 10 h 19 min
